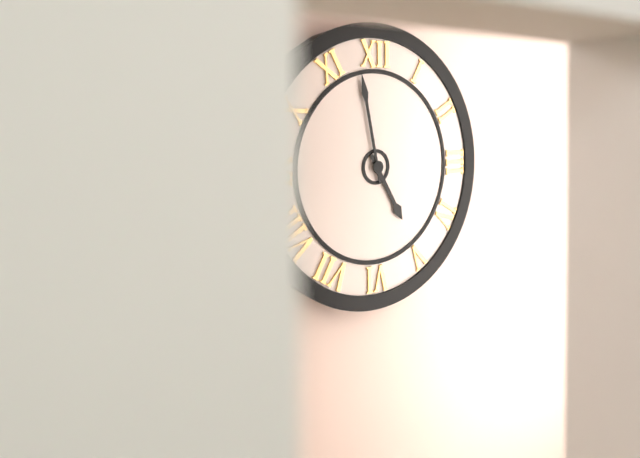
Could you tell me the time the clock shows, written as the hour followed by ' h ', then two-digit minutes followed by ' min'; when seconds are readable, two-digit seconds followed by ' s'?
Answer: 4 h 58 min
